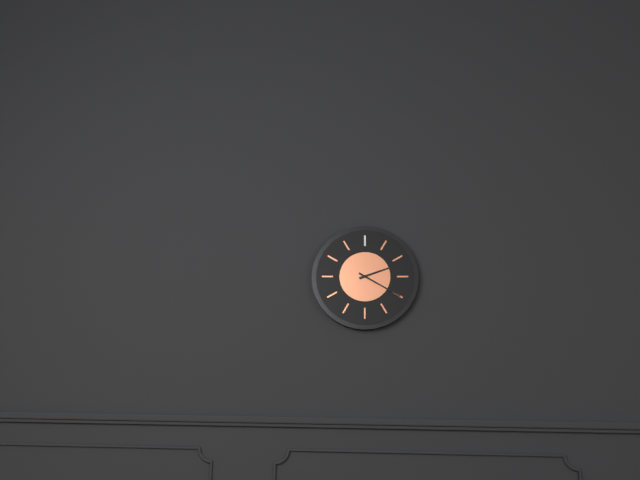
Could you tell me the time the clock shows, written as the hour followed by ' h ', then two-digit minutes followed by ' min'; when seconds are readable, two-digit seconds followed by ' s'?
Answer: 2 h 20 min
